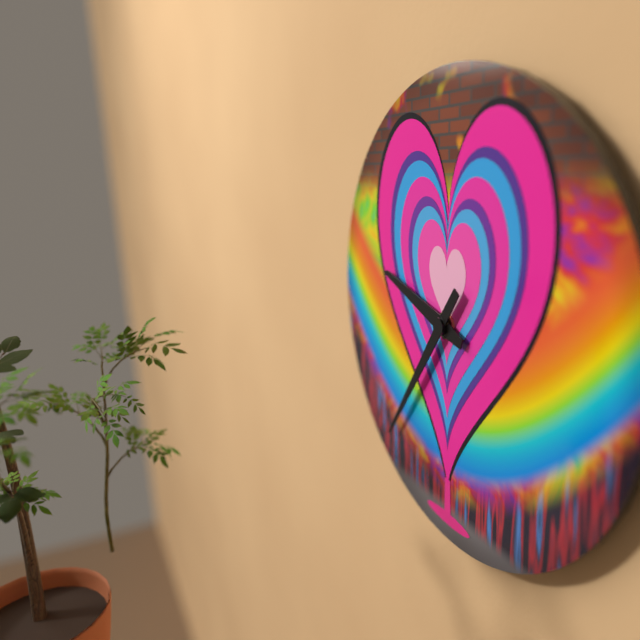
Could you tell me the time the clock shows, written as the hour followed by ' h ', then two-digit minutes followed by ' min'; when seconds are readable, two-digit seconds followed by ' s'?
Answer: 9 h 36 min
